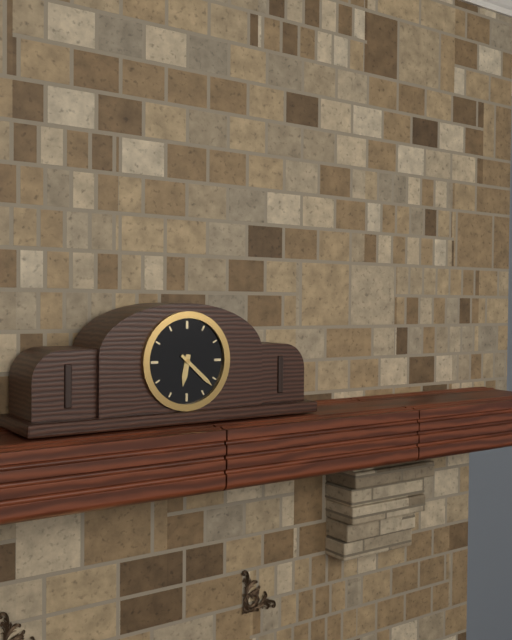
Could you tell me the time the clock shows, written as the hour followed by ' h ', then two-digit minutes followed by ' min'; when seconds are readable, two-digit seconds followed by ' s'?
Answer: 6 h 22 min
